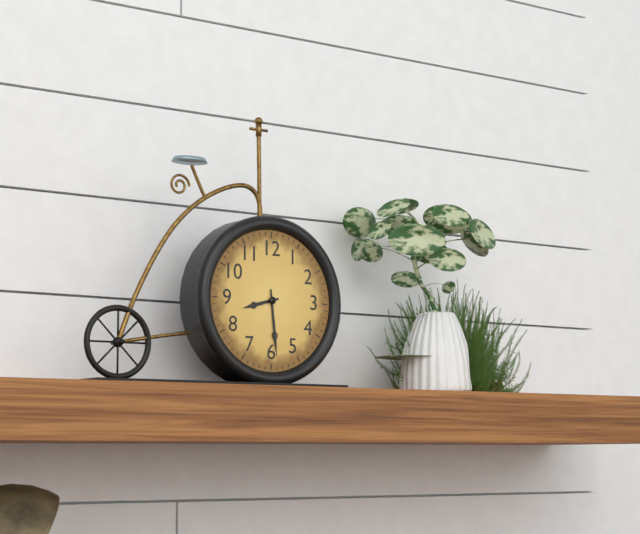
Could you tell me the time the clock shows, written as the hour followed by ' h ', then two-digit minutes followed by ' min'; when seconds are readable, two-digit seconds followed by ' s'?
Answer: 8 h 29 min
